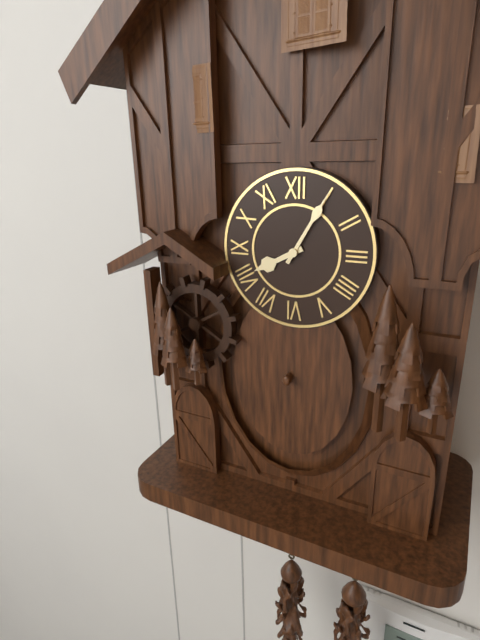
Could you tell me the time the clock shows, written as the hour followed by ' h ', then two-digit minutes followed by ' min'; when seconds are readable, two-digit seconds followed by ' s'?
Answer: 8 h 05 min
